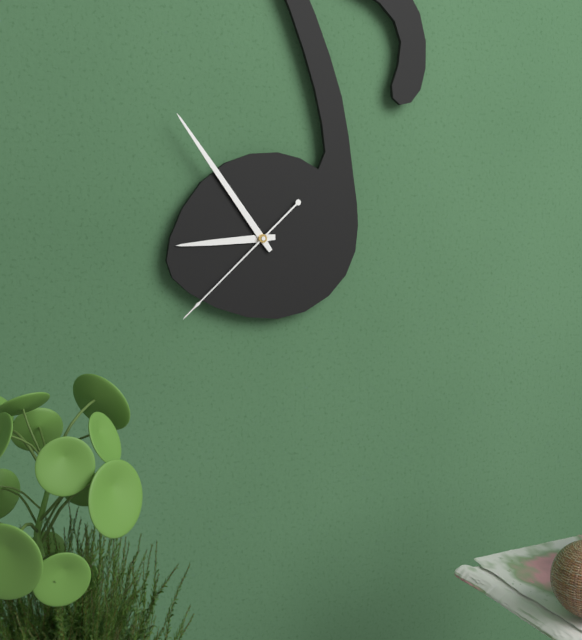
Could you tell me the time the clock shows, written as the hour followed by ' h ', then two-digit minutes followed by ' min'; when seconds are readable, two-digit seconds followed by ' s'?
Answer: 8 h 54 min 38 s
